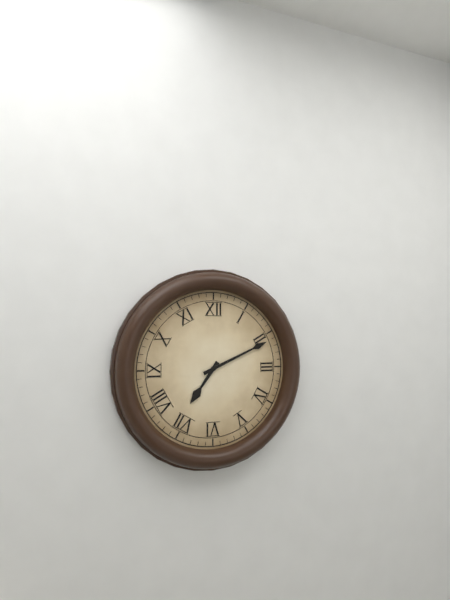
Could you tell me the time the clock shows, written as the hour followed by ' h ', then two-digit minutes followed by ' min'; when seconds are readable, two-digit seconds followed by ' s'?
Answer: 7 h 11 min
